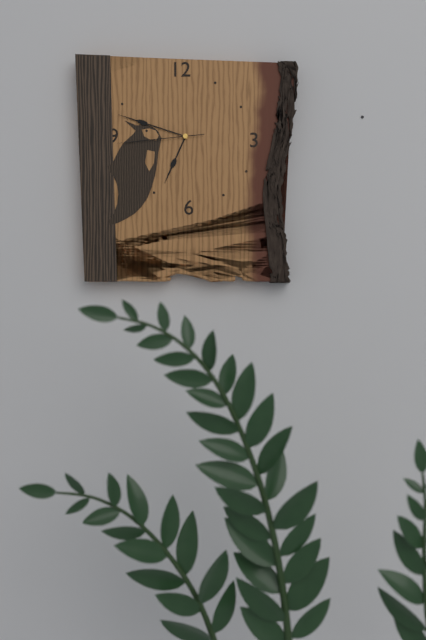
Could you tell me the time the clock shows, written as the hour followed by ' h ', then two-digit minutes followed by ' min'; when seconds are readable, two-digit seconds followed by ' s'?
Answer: 6 h 48 min 44 s
